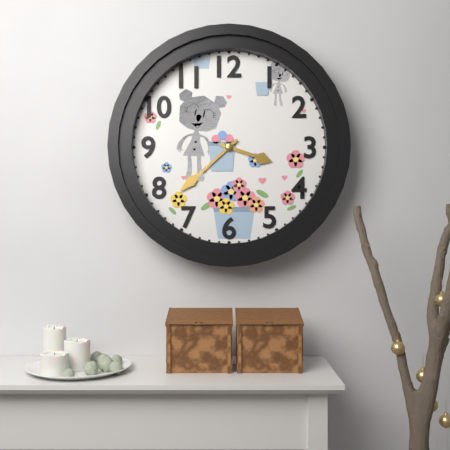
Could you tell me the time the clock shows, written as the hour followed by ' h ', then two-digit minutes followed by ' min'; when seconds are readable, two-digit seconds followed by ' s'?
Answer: 3 h 38 min
